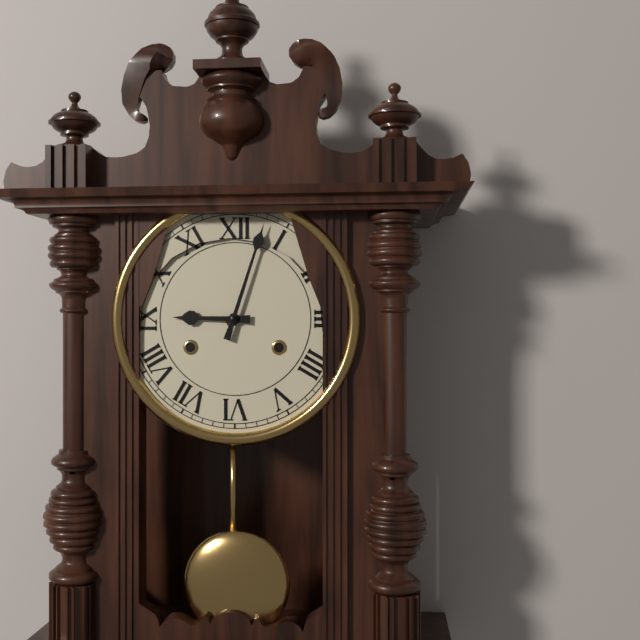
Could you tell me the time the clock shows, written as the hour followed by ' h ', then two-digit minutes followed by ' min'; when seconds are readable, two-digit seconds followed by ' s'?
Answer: 9 h 03 min
